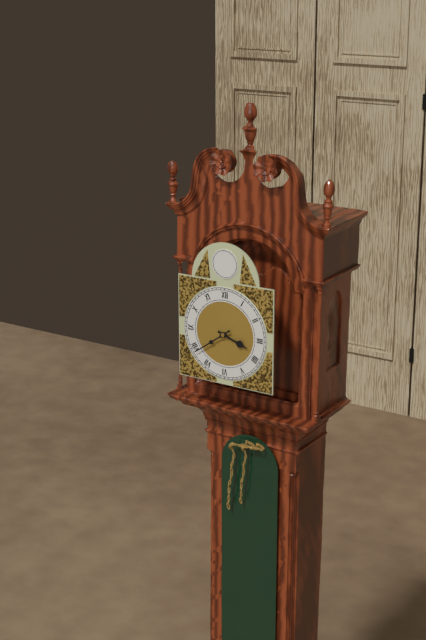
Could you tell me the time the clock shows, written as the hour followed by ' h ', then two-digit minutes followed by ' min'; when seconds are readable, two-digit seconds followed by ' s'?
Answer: 3 h 39 min
